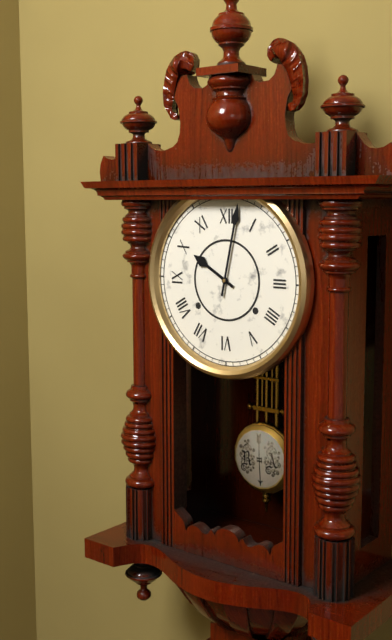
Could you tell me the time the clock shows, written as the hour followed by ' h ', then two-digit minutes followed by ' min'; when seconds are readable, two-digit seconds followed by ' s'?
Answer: 10 h 02 min
